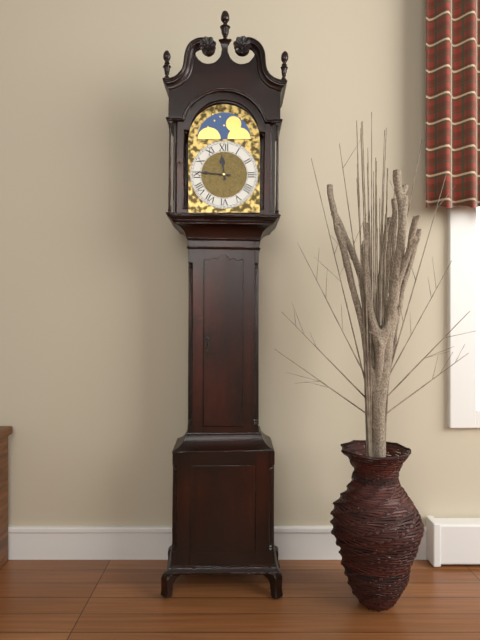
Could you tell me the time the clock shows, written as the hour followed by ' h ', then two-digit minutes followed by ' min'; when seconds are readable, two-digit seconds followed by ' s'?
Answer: 11 h 46 min
